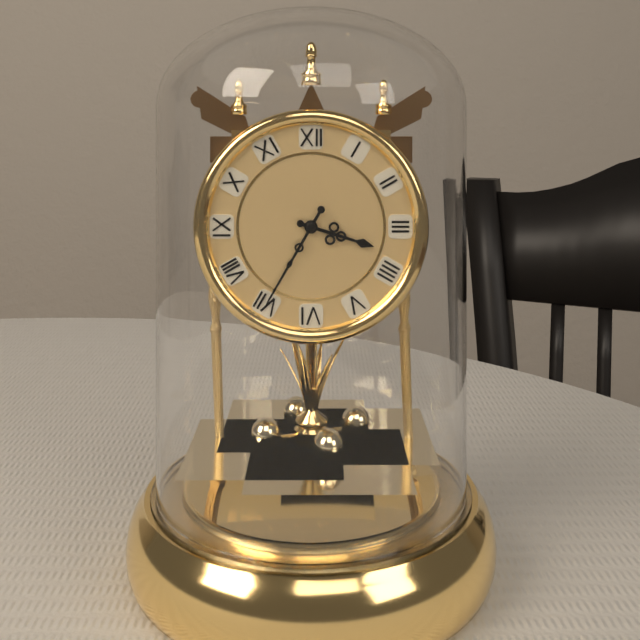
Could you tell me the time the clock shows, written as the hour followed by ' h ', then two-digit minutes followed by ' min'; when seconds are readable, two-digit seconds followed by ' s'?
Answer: 3 h 35 min
